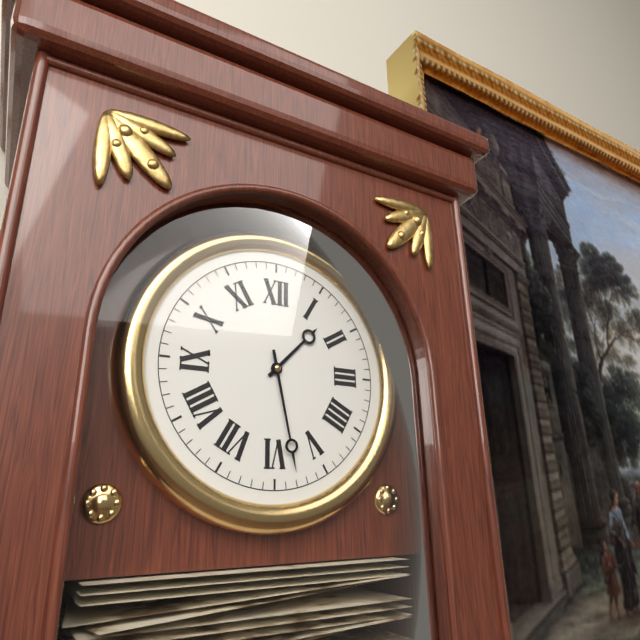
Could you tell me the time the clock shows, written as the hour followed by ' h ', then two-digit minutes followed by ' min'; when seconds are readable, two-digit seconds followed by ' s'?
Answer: 1 h 28 min
